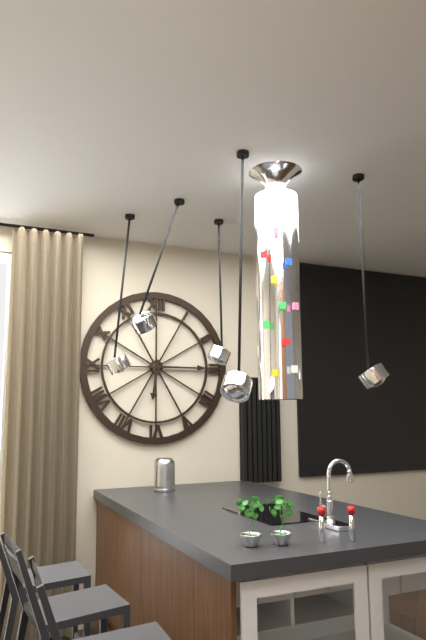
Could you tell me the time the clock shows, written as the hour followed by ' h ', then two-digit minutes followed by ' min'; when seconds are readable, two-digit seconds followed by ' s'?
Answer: 6 h 15 min
